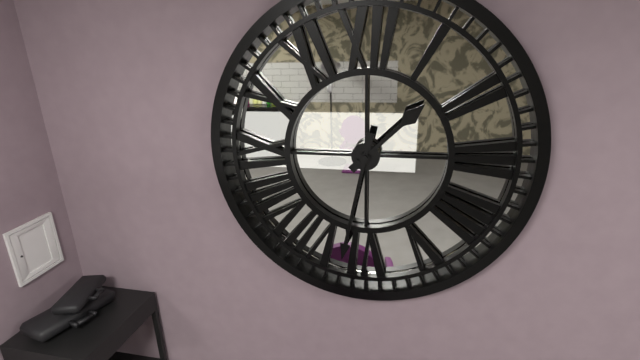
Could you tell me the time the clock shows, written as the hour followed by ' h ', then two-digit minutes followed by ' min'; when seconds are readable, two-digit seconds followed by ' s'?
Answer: 1 h 32 min
